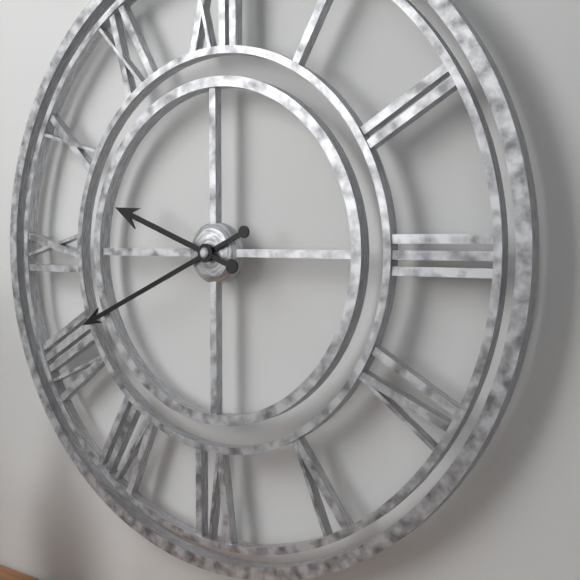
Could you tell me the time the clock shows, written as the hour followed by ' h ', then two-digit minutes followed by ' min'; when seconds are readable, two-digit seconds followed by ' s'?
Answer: 9 h 41 min
